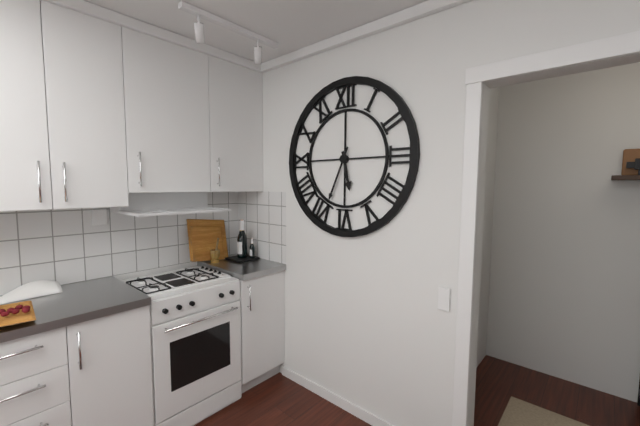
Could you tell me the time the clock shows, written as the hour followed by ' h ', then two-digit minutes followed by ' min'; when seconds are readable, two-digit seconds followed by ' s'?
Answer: 5 h 34 min
